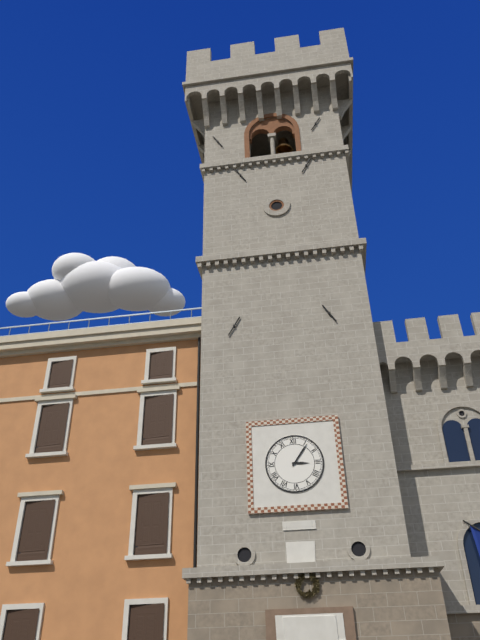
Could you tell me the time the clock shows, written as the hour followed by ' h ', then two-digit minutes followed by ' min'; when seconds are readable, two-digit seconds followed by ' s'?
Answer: 3 h 06 min
